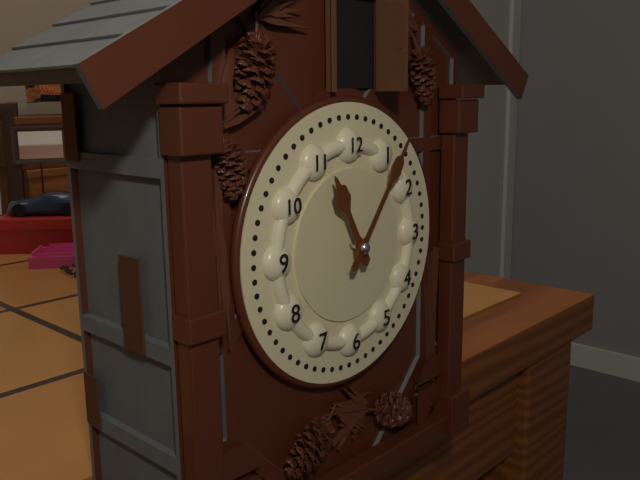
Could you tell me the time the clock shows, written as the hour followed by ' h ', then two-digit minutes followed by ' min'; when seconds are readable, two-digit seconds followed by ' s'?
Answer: 11 h 06 min
